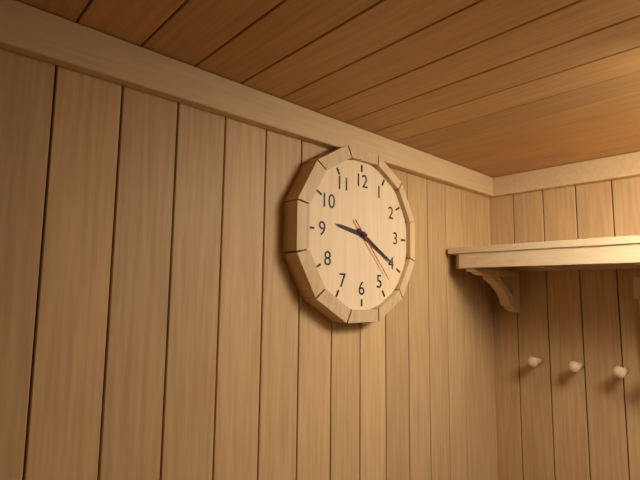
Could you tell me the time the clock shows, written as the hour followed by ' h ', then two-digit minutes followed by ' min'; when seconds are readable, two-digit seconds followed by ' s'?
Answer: 9 h 20 min 23 s
